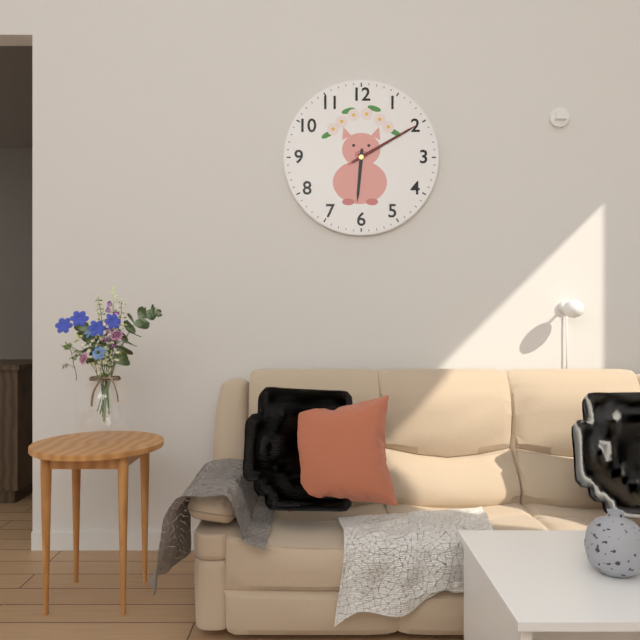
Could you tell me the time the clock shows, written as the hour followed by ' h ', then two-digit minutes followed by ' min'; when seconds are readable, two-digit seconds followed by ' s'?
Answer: 6 h 10 min 10 s
